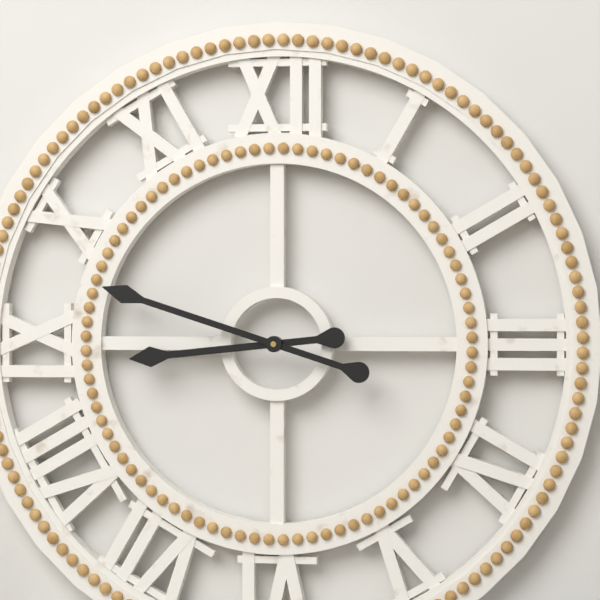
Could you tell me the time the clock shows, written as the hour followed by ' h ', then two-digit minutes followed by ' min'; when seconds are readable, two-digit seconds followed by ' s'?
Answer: 8 h 48 min
